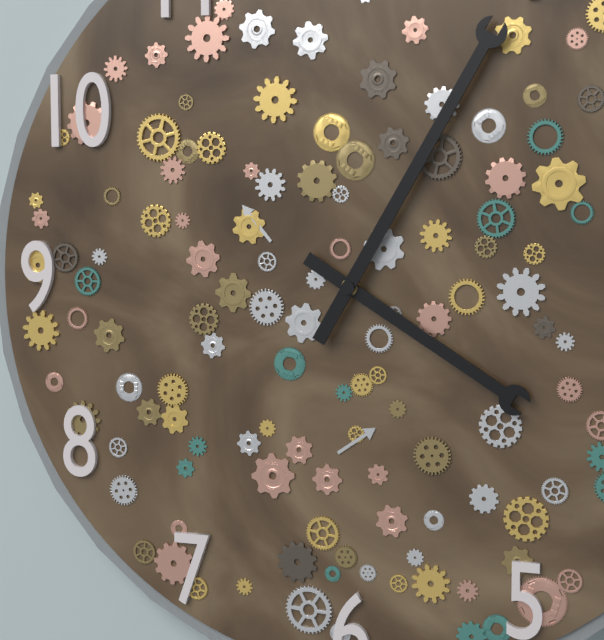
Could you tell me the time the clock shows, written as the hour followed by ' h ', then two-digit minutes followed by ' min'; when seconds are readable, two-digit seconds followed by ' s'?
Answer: 4 h 05 min
